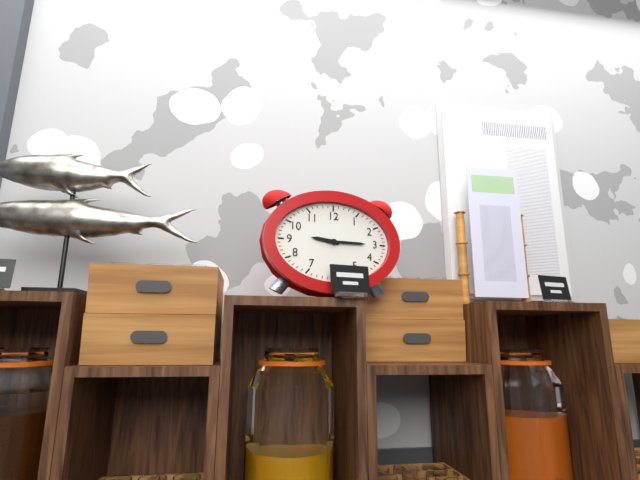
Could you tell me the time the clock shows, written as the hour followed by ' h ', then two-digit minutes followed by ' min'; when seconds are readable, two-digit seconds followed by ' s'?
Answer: 9 h 15 min
